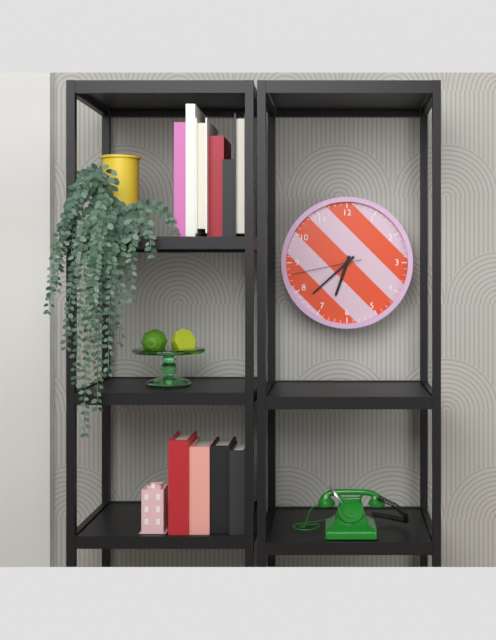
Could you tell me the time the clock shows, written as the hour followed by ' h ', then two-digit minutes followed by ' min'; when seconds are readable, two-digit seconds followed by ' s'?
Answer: 6 h 38 min 43 s
